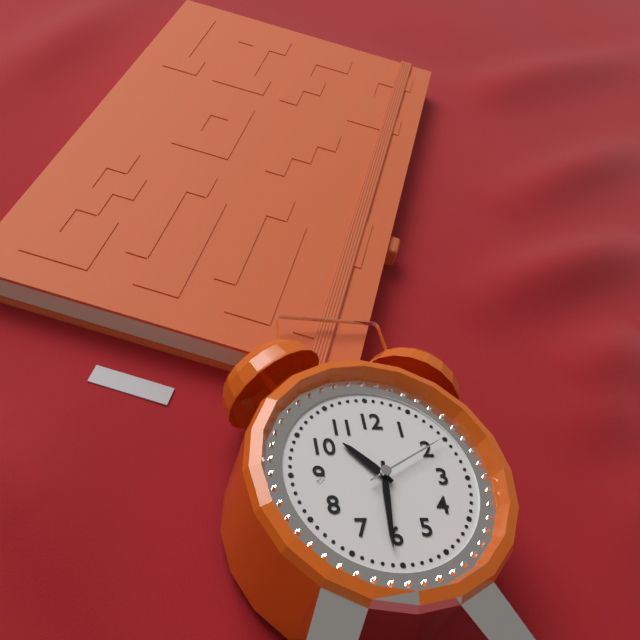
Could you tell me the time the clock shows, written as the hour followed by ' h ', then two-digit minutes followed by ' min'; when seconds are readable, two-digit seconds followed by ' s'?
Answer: 10 h 31 min 10 s
